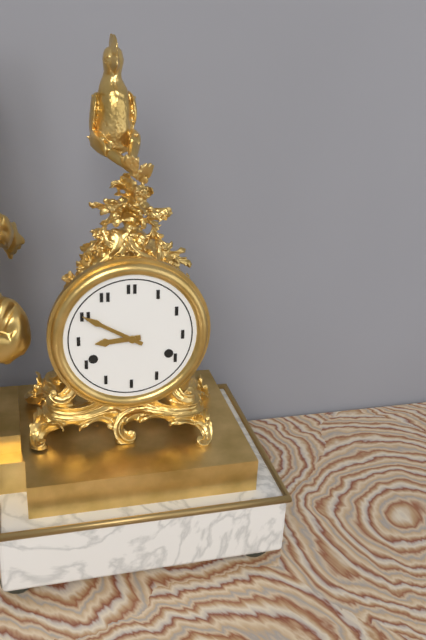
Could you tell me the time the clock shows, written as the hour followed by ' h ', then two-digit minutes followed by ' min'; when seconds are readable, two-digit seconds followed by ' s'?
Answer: 8 h 50 min
